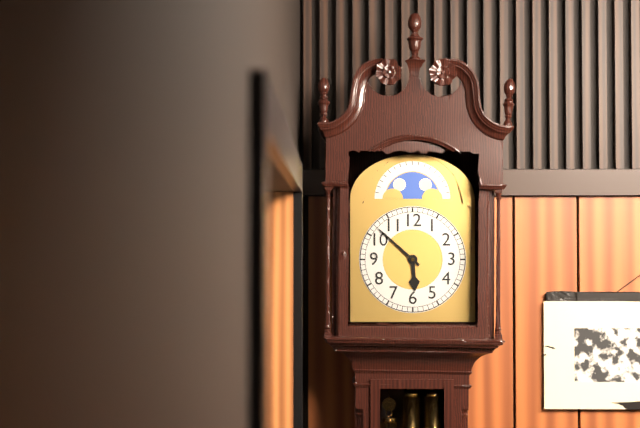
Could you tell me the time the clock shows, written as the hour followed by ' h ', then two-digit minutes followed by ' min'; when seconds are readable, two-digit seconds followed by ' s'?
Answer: 5 h 52 min
